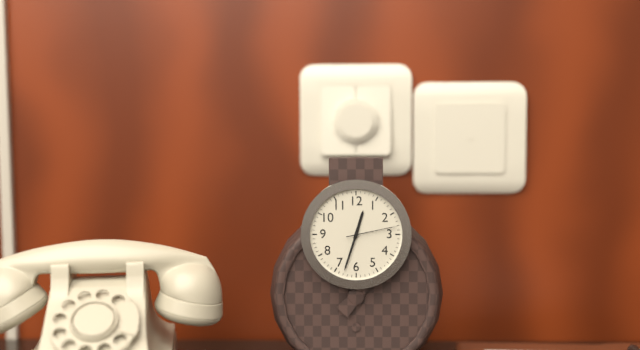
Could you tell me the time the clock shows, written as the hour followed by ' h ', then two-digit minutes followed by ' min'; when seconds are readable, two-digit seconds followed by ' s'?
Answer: 12 h 33 min 13 s
